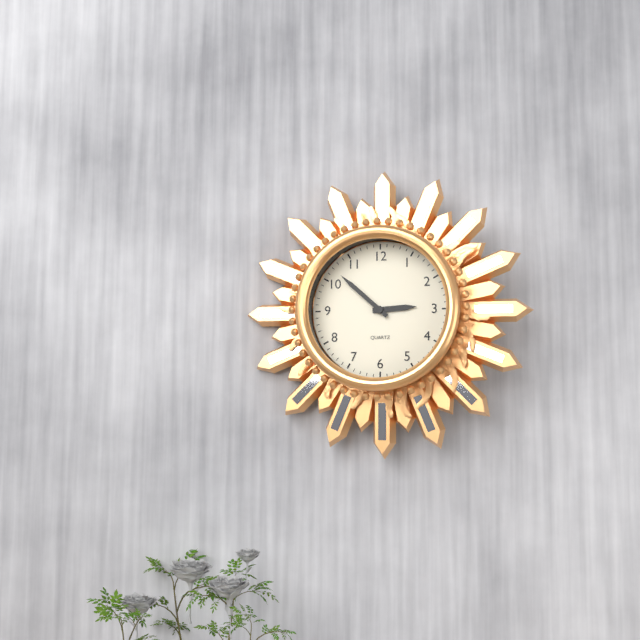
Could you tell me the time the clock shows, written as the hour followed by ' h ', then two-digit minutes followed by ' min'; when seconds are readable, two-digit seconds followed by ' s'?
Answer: 2 h 52 min
